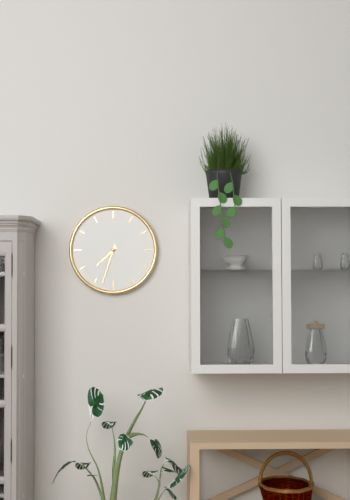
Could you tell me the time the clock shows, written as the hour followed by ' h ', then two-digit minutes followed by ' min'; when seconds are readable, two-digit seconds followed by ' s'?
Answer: 7 h 33 min
